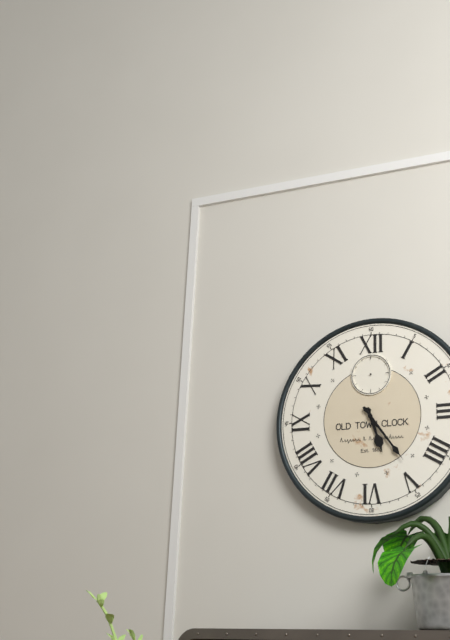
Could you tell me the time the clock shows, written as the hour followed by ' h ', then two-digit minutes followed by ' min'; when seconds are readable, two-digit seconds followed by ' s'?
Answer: 5 h 24 min
